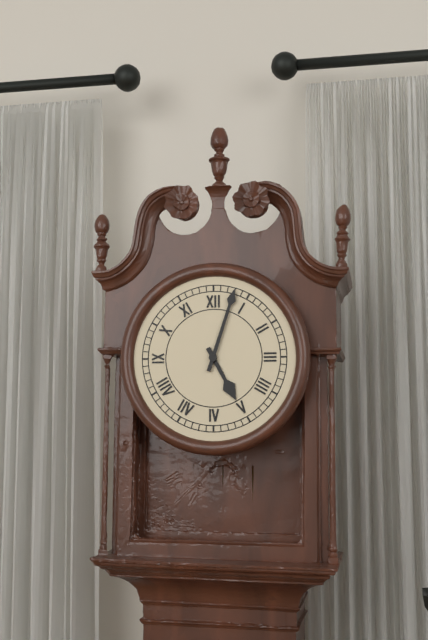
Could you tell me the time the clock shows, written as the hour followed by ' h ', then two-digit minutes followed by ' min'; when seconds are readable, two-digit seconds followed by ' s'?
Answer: 5 h 03 min
